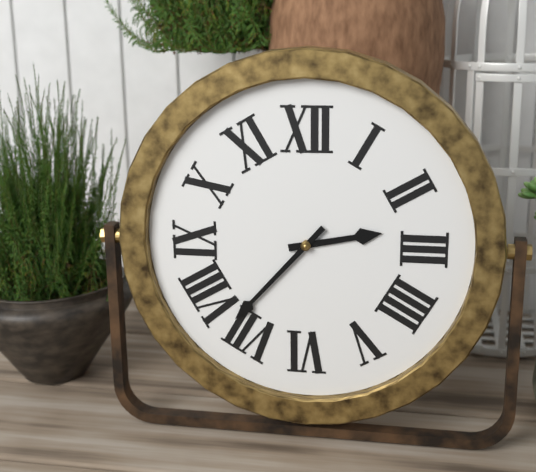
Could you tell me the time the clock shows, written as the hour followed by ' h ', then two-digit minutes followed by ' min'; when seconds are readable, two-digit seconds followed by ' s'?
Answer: 2 h 37 min
